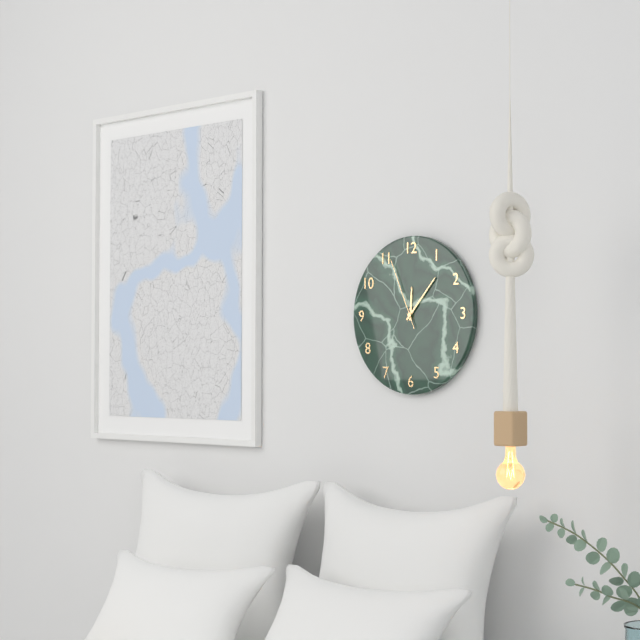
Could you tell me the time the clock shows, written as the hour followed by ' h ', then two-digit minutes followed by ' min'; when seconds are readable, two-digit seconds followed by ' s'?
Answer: 12 h 07 min 56 s
